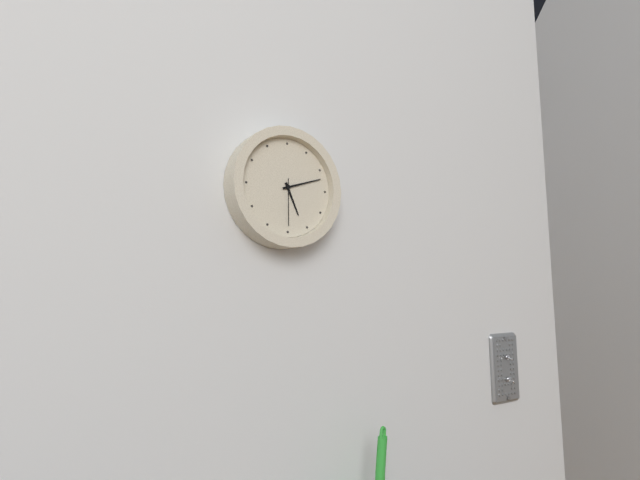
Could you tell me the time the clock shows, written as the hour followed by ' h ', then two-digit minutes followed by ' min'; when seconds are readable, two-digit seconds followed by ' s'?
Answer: 5 h 12 min
